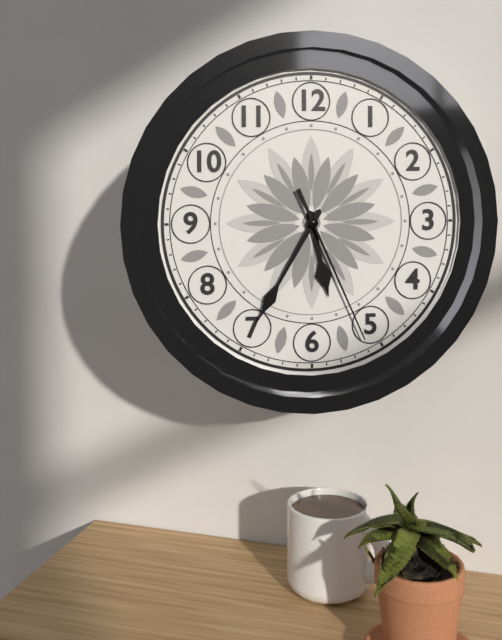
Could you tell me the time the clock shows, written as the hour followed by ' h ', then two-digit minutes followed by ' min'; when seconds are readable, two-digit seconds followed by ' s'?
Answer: 5 h 35 min 26 s
